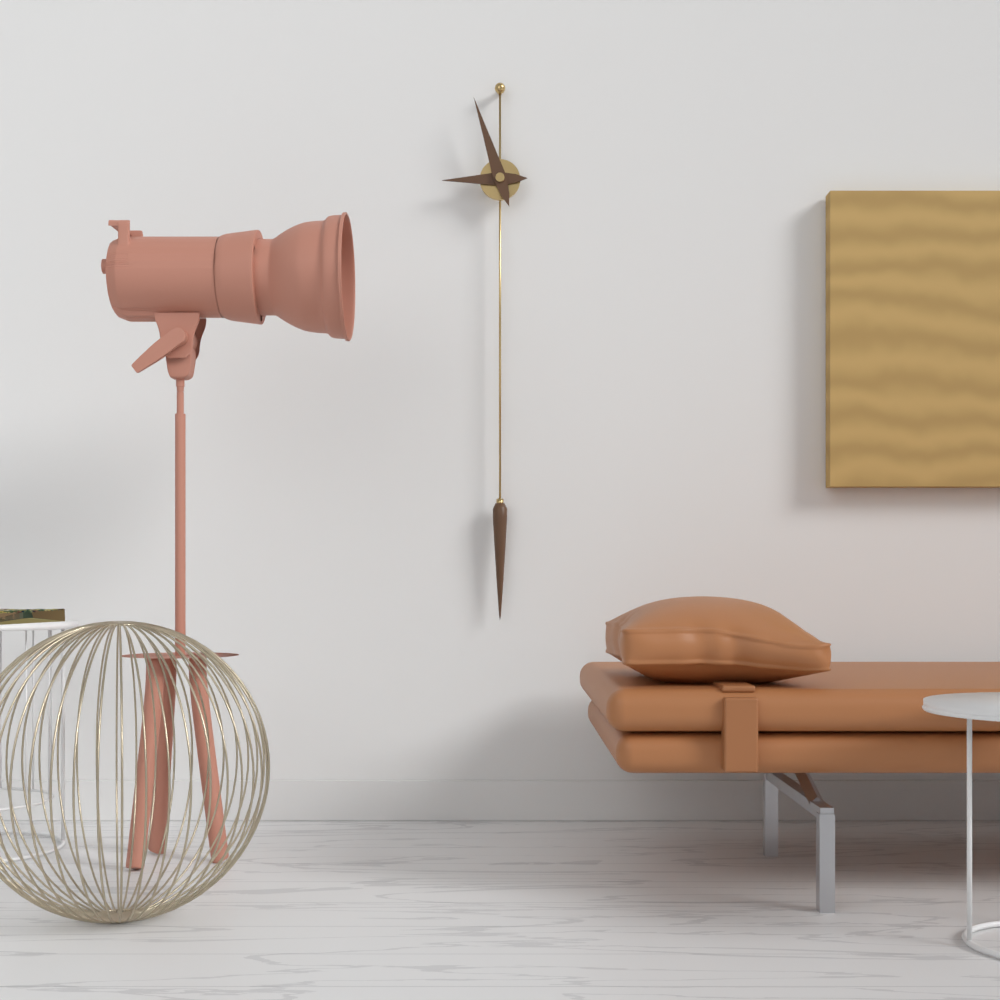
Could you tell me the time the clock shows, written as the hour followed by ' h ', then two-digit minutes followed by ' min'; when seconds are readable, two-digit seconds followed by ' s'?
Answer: 8 h 57 min
